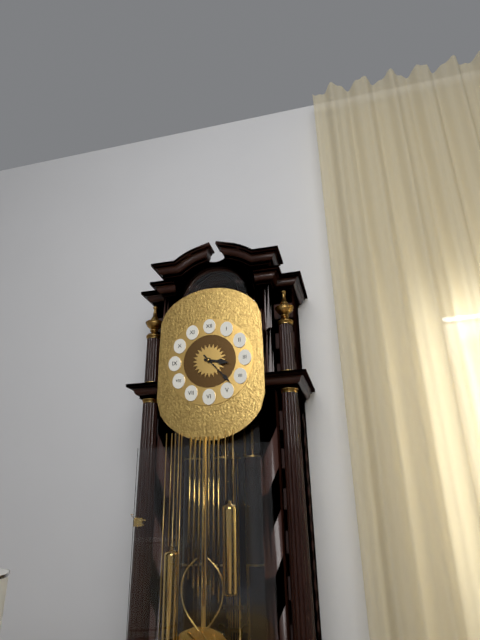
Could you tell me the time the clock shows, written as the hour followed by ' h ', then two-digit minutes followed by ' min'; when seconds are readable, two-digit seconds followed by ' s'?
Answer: 3 h 23 min
